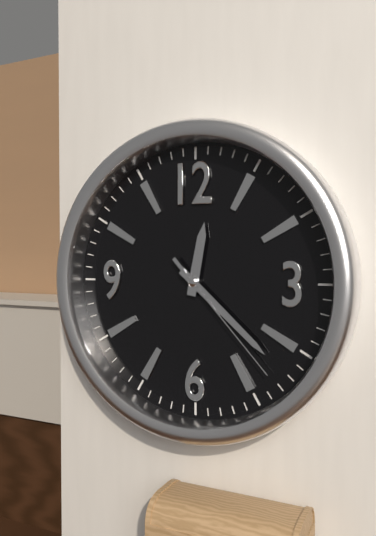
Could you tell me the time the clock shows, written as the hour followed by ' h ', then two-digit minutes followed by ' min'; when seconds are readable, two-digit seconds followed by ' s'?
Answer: 12 h 22 min 23 s
